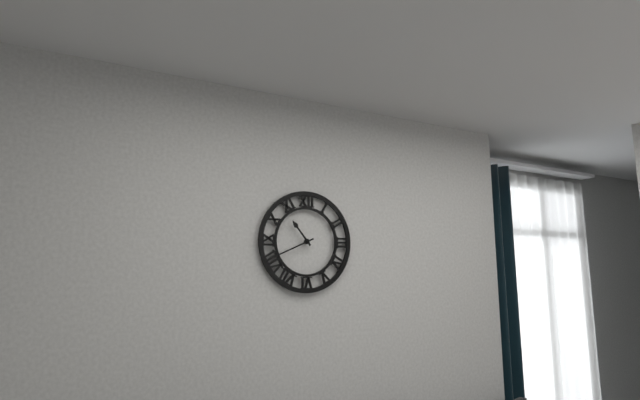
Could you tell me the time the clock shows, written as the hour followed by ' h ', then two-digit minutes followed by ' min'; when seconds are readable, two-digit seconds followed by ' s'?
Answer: 10 h 41 min
